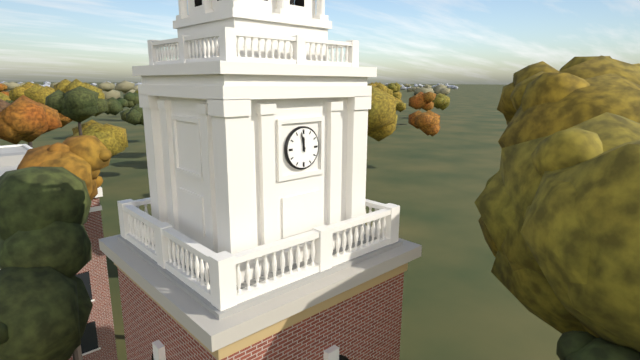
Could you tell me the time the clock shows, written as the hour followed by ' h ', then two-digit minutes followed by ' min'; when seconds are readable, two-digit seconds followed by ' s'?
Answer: 11 h 58 min
